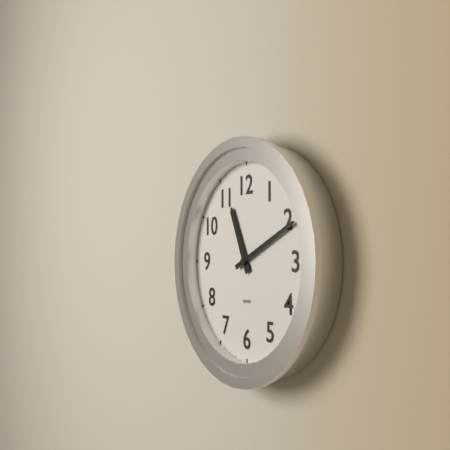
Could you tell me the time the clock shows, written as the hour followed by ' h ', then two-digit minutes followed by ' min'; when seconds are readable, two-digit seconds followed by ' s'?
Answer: 11 h 11 min
